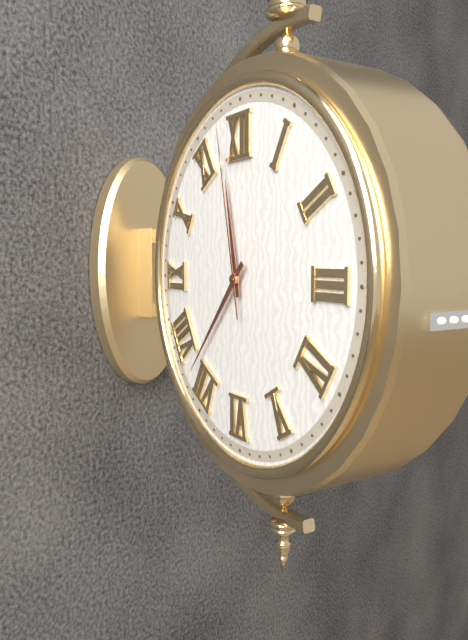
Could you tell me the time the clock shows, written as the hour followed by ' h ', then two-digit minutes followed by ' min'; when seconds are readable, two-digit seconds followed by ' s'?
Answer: 11 h 37 min 58 s
